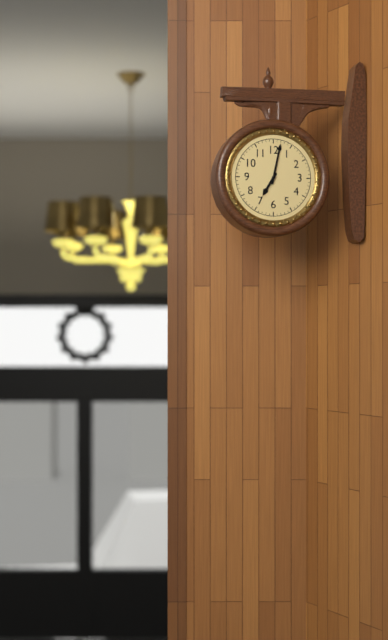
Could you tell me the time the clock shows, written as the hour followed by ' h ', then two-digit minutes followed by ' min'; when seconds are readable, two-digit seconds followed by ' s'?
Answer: 7 h 02 min
